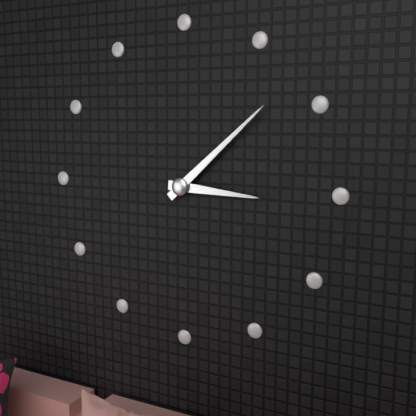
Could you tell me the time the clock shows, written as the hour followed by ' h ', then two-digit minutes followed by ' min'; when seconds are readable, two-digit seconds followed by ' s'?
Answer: 3 h 08 min
